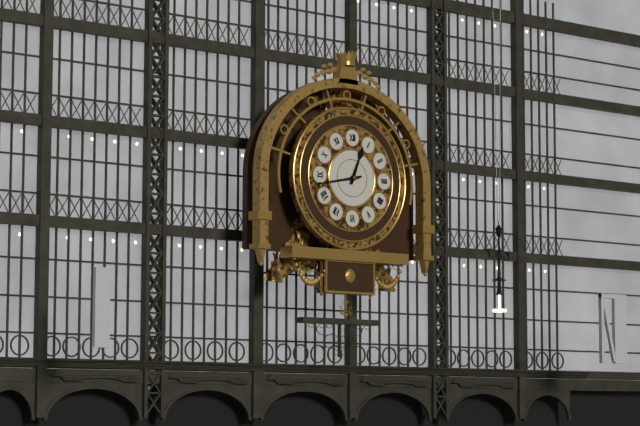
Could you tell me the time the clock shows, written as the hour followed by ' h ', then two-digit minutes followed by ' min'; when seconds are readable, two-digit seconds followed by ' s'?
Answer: 12 h 43 min
